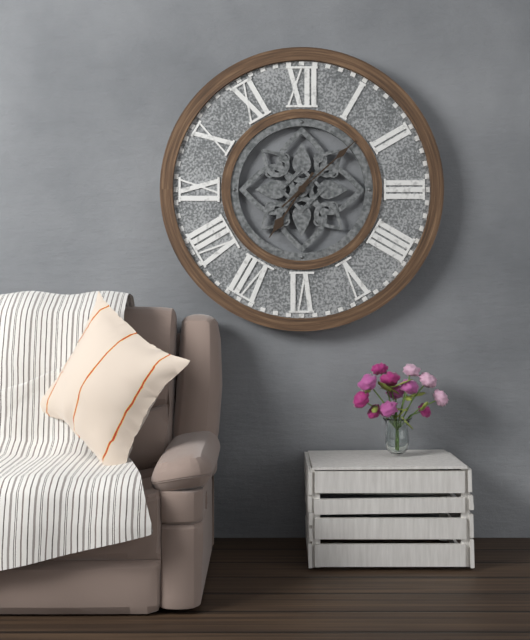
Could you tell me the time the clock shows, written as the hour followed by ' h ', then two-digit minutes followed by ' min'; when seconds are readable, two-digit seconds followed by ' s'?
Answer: 7 h 08 min
